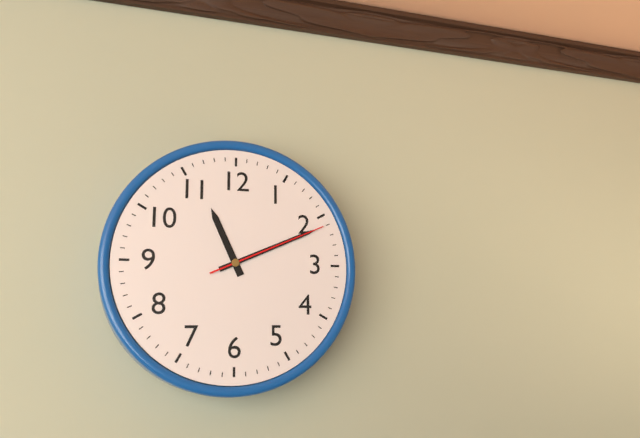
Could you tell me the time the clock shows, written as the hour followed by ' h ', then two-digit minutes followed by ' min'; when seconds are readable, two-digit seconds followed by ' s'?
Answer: 11 h 11 min 11 s
